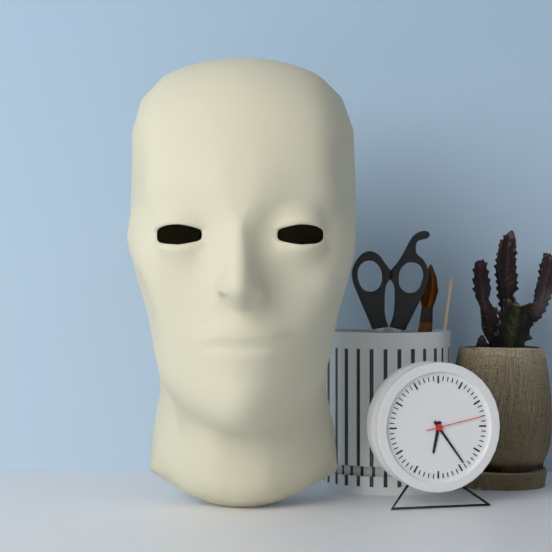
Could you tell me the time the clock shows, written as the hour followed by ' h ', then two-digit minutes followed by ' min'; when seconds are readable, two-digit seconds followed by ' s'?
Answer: 6 h 24 min 13 s
